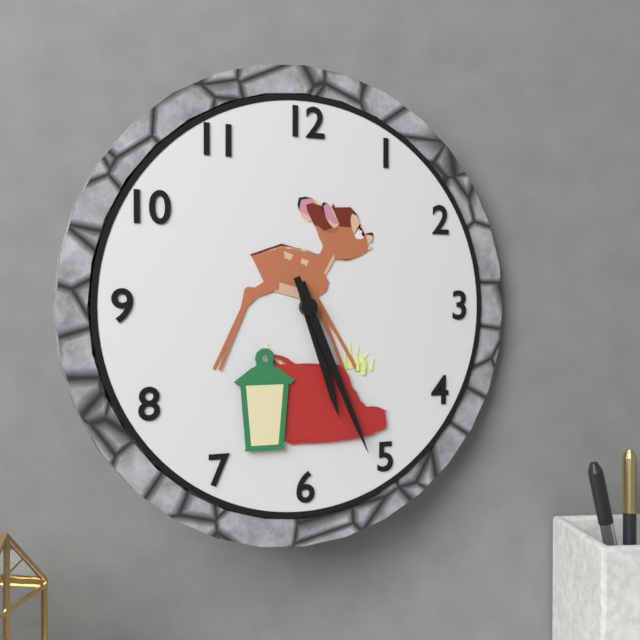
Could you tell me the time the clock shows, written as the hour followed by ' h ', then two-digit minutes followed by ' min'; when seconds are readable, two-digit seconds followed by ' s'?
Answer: 5 h 26 min
